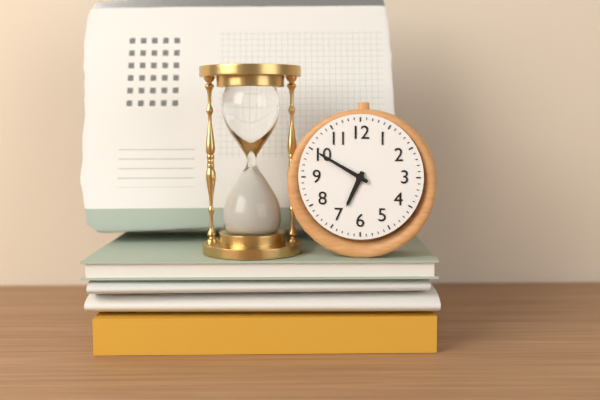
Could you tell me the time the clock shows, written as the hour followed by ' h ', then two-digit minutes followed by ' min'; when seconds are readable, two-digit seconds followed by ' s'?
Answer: 6 h 50 min
